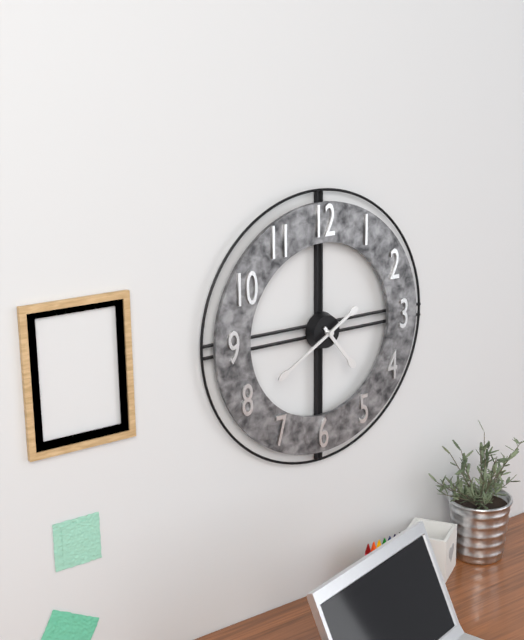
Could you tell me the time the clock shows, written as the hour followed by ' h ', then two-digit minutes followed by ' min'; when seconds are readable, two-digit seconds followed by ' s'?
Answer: 4 h 40 min
